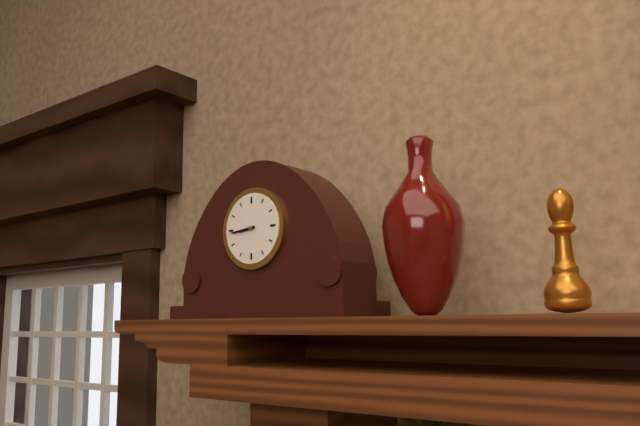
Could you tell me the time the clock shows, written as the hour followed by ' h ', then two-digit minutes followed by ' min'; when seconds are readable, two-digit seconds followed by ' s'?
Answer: 8 h 44 min
